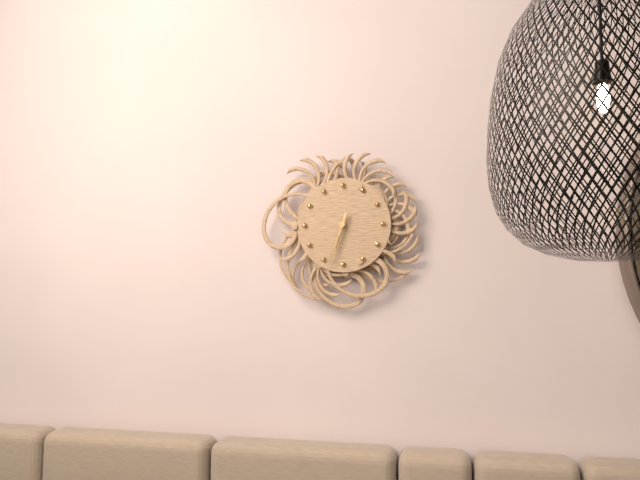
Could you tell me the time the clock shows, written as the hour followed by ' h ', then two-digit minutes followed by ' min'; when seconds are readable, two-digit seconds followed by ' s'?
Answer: 6 h 33 min
